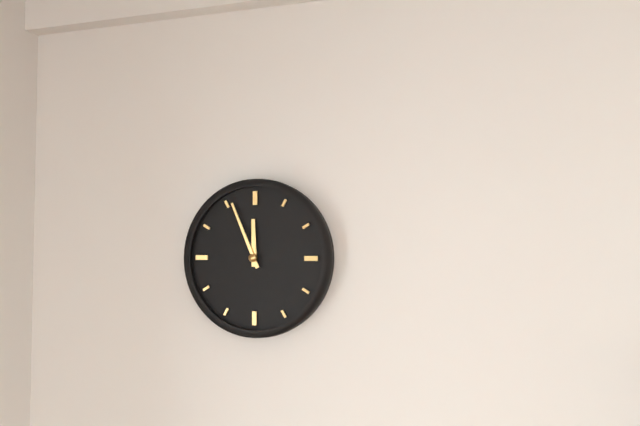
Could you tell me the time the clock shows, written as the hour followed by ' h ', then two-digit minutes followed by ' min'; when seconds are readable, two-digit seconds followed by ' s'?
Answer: 11 h 56 min
